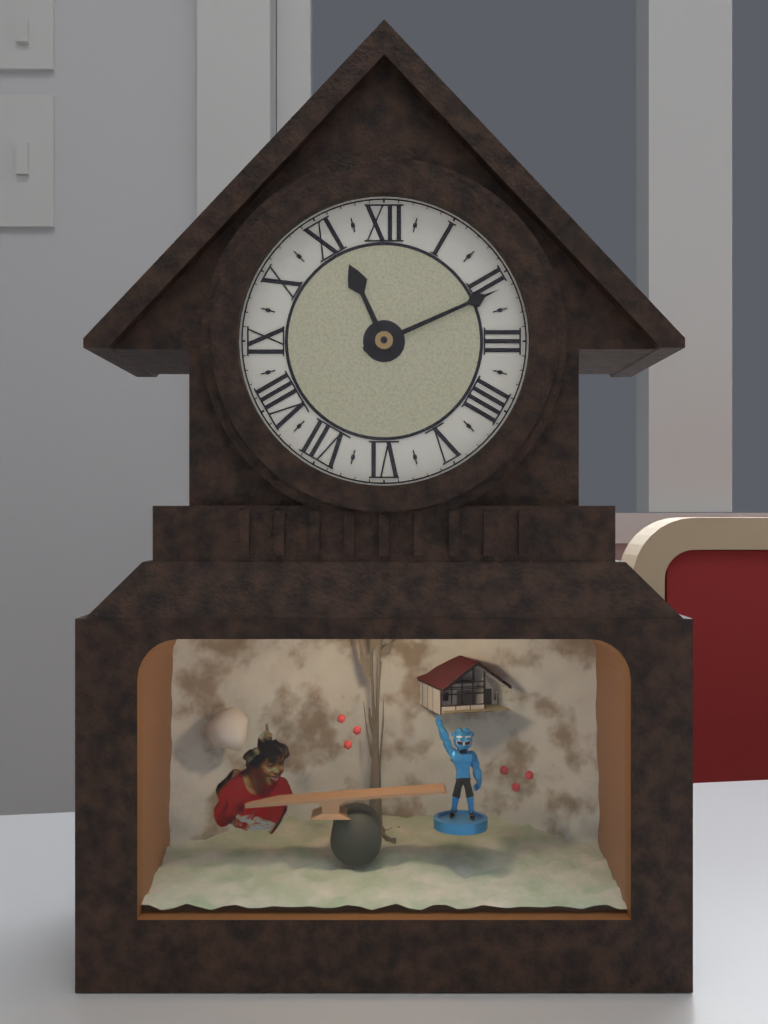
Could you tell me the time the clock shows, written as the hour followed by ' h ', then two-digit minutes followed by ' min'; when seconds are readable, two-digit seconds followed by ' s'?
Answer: 11 h 11 min
